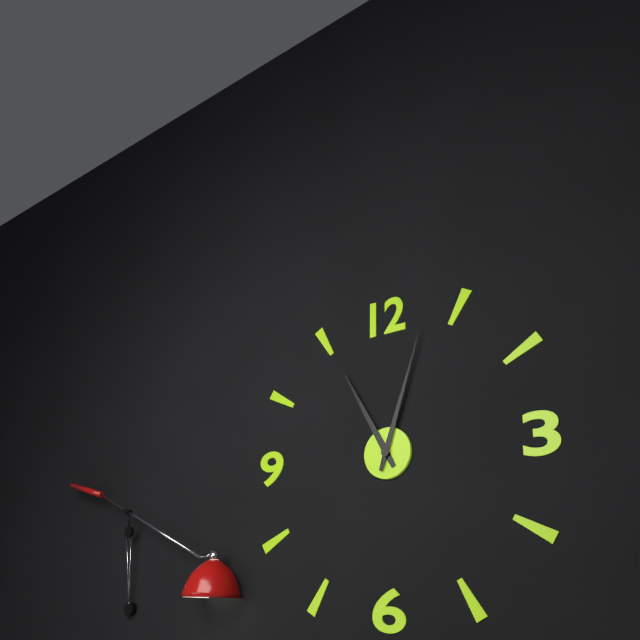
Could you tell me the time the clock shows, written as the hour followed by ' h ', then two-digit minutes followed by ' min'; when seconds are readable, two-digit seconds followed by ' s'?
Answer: 11 h 03 min
